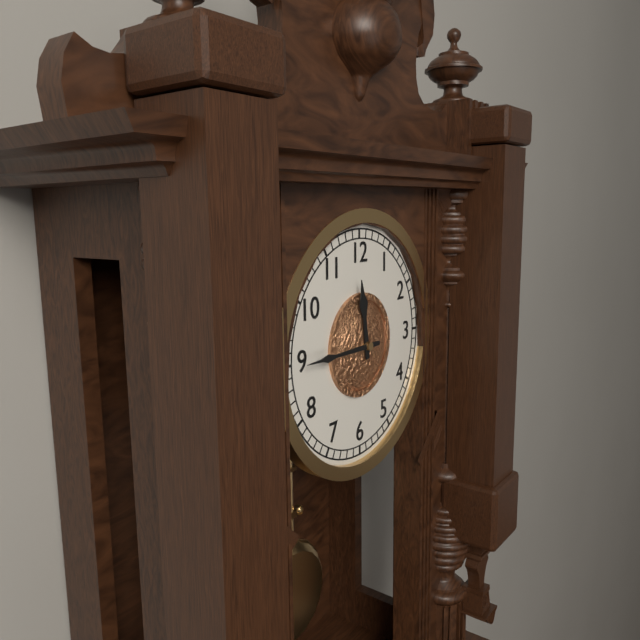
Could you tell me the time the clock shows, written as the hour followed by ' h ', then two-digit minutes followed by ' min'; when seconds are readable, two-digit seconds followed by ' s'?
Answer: 11 h 45 min
